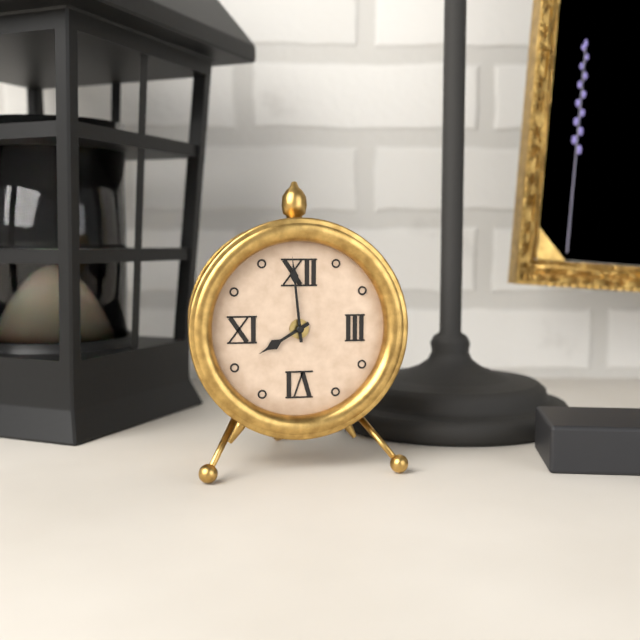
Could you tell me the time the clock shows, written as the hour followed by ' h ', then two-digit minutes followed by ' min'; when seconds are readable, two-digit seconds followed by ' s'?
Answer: 7 h 59 min
